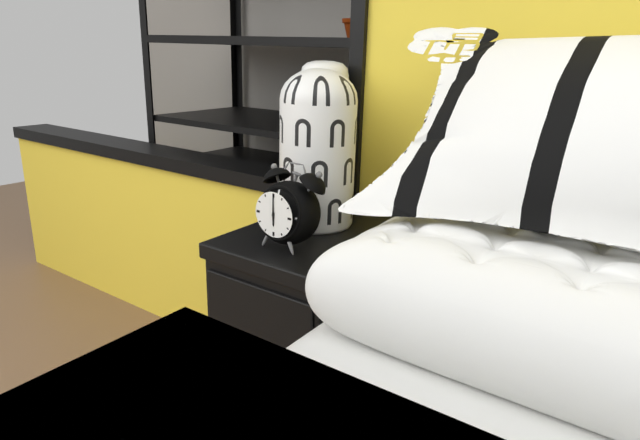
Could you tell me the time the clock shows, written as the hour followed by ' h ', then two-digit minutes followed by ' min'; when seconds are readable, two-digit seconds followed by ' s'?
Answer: 6 h 00 min
